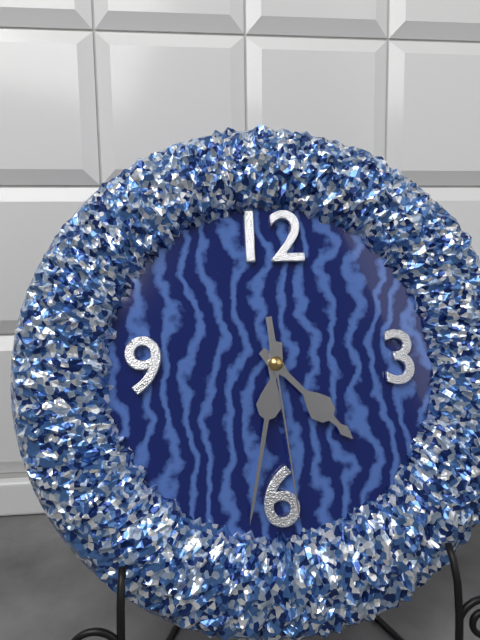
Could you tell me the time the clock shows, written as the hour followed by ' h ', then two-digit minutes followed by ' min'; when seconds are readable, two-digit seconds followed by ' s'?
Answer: 4 h 32 min 29 s
